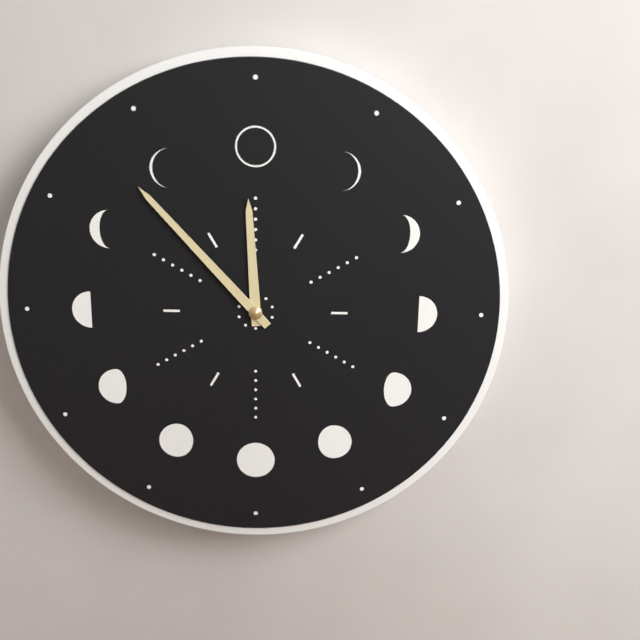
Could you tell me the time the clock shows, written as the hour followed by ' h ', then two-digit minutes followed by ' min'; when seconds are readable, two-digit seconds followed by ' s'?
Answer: 11 h 53 min
